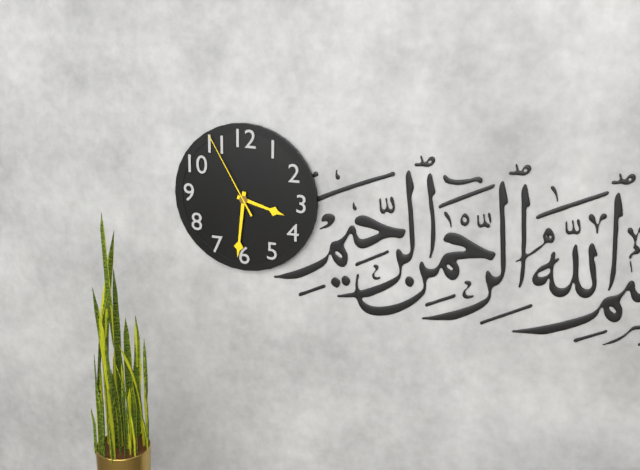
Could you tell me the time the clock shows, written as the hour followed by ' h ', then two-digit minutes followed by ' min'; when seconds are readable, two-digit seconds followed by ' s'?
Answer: 3 h 31 min 55 s
